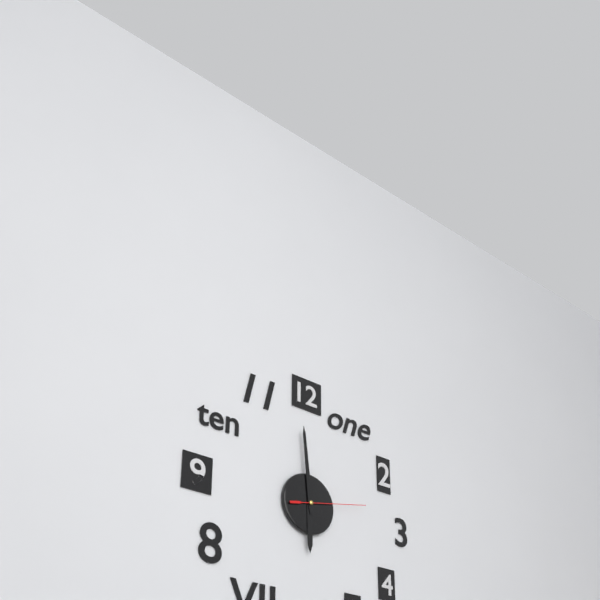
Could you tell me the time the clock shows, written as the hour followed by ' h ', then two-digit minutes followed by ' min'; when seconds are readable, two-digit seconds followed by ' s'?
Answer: 5 h 59 min 13 s
